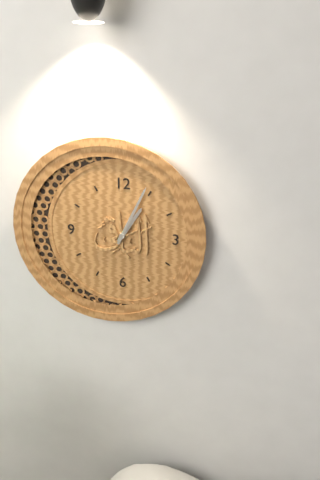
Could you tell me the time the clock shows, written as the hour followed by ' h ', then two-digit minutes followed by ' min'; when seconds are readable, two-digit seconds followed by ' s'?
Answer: 1 h 04 min
